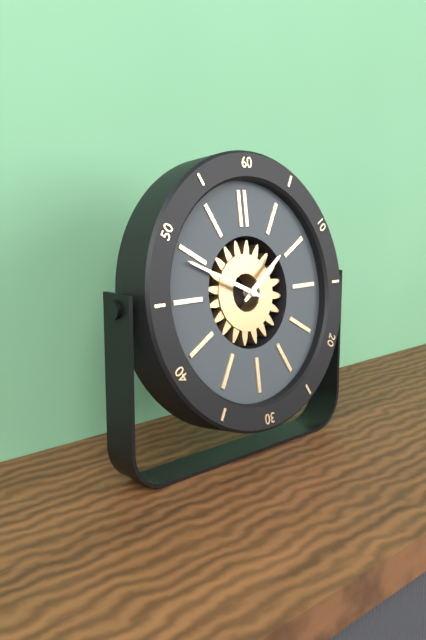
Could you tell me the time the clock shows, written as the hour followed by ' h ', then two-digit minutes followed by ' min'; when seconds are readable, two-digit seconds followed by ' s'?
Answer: 1 h 49 min
